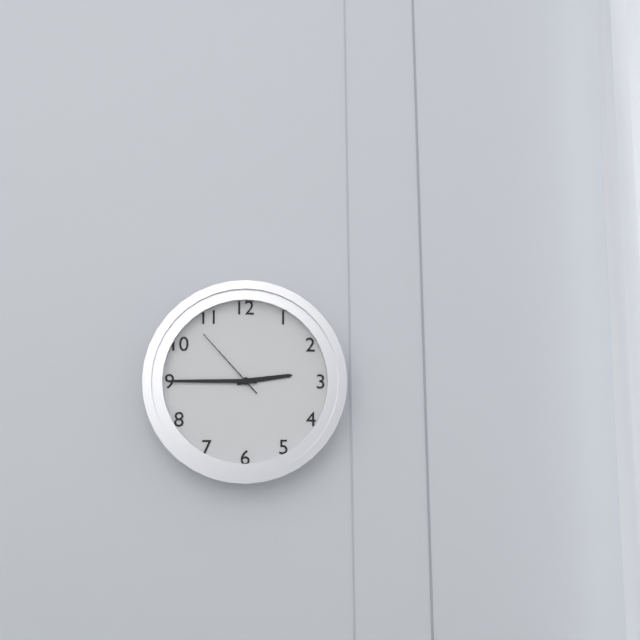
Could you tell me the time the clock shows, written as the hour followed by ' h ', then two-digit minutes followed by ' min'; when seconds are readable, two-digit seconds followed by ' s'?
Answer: 2 h 45 min 53 s
